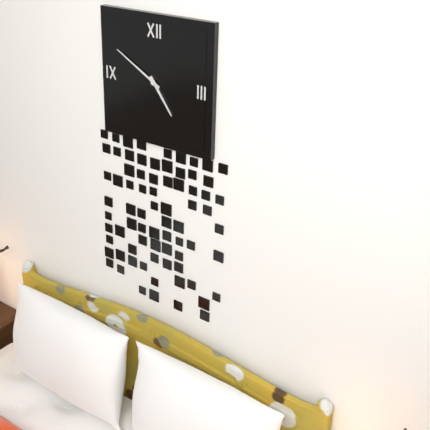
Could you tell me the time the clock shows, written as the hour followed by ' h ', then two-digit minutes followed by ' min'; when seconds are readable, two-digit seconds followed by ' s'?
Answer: 4 h 50 min
